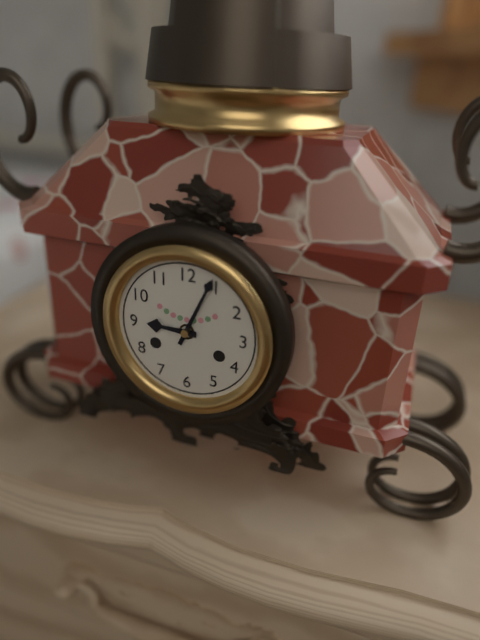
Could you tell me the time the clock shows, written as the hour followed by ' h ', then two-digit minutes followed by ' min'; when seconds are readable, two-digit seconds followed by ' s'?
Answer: 9 h 04 min
